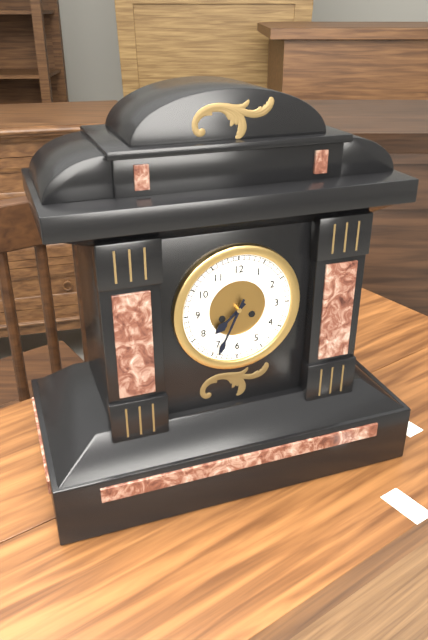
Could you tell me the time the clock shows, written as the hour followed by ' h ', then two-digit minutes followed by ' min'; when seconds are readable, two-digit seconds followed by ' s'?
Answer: 7 h 34 min
